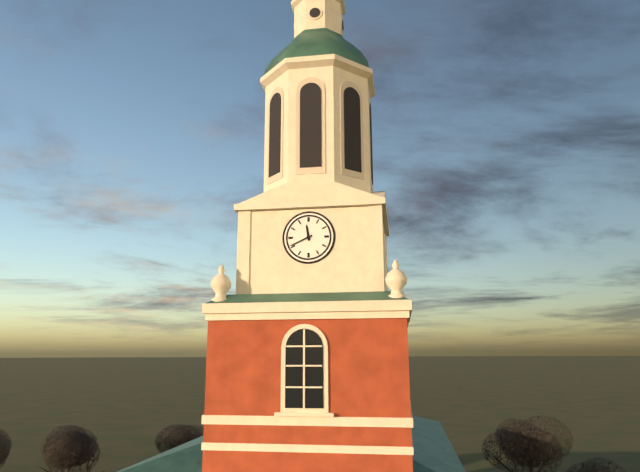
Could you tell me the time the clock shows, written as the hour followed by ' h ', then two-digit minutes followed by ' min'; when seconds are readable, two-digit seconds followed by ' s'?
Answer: 11 h 41 min
